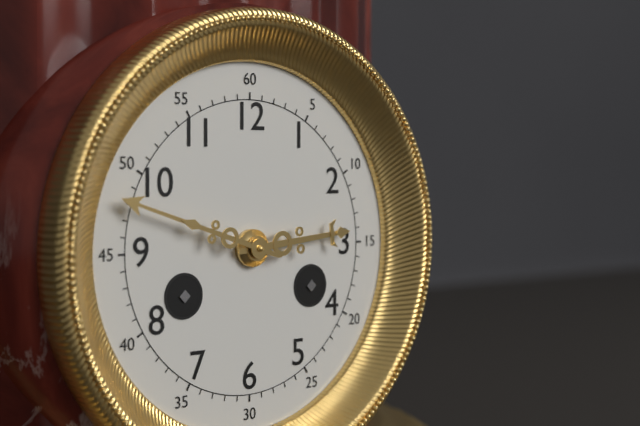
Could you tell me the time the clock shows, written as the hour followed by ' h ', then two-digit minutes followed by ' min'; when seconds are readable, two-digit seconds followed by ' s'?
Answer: 2 h 48 min
